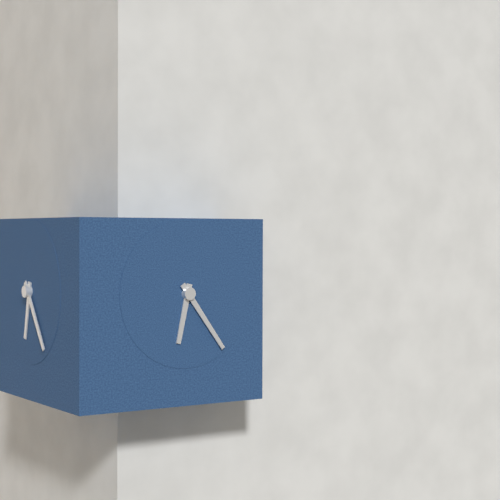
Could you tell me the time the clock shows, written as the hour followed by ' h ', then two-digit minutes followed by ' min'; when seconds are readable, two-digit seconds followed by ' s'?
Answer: 6 h 24 min
